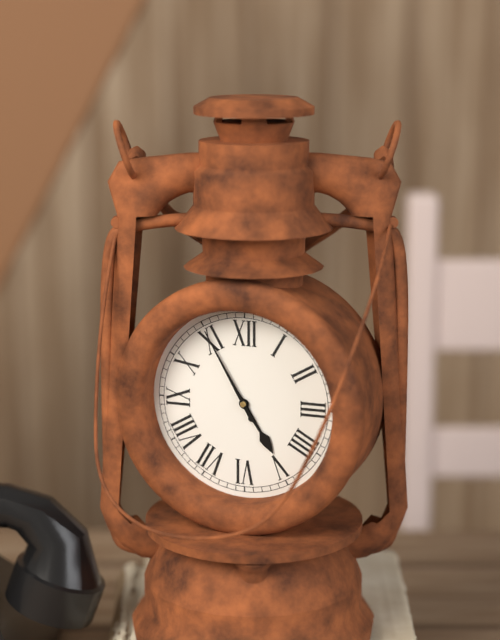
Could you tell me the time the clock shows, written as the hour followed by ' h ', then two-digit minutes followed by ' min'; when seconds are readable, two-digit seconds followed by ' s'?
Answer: 4 h 55 min
